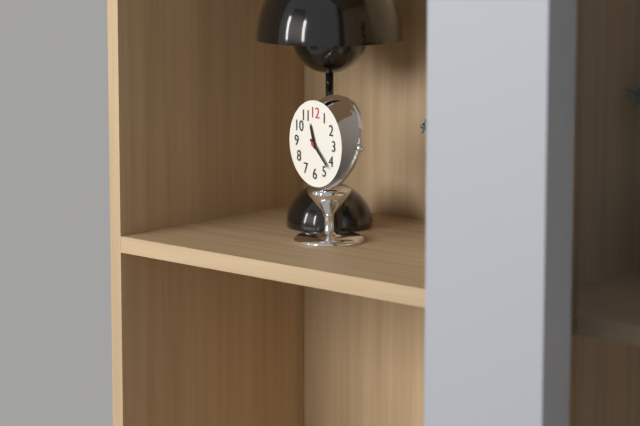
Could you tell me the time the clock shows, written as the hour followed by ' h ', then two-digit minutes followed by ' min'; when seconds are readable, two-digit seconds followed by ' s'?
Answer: 11 h 22 min
